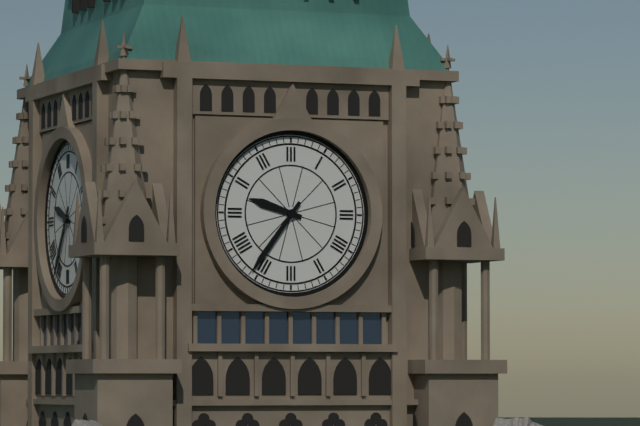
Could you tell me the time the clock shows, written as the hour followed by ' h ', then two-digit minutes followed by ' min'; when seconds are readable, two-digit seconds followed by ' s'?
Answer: 9 h 36 min
